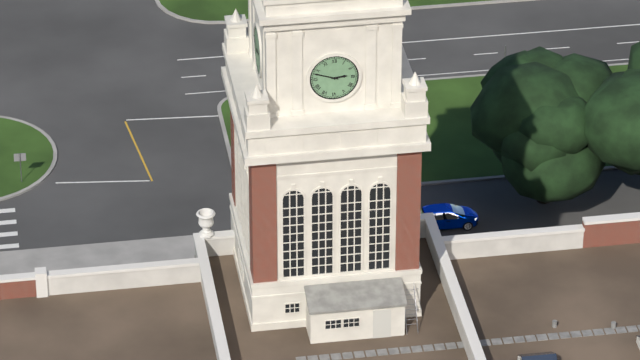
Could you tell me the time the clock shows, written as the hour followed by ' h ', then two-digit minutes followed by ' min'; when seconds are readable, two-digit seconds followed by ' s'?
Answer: 2 h 48 min
